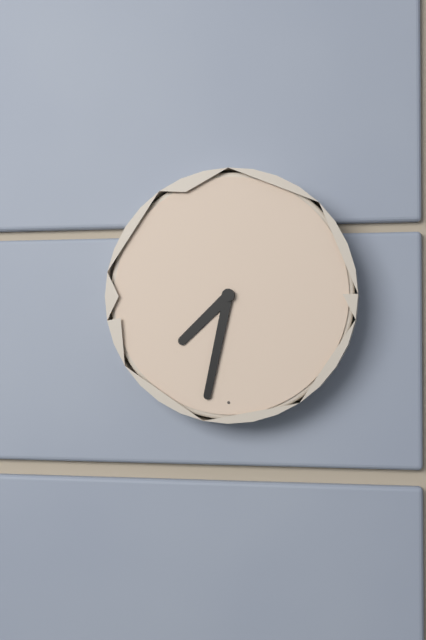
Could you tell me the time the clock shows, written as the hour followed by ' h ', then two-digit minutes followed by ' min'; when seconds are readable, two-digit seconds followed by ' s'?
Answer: 7 h 32 min
